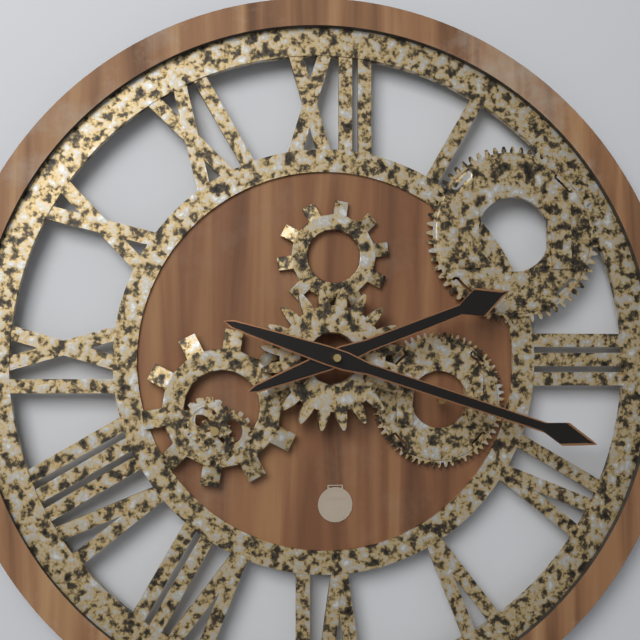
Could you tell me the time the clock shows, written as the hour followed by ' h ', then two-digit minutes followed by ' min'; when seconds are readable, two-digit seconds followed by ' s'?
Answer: 2 h 18 min
